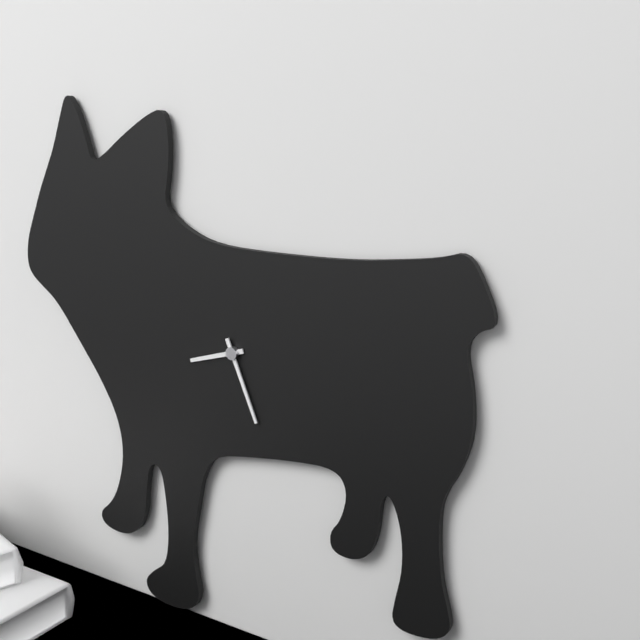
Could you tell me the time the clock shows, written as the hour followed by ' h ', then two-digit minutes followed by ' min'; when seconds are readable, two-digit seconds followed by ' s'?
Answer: 8 h 26 min
